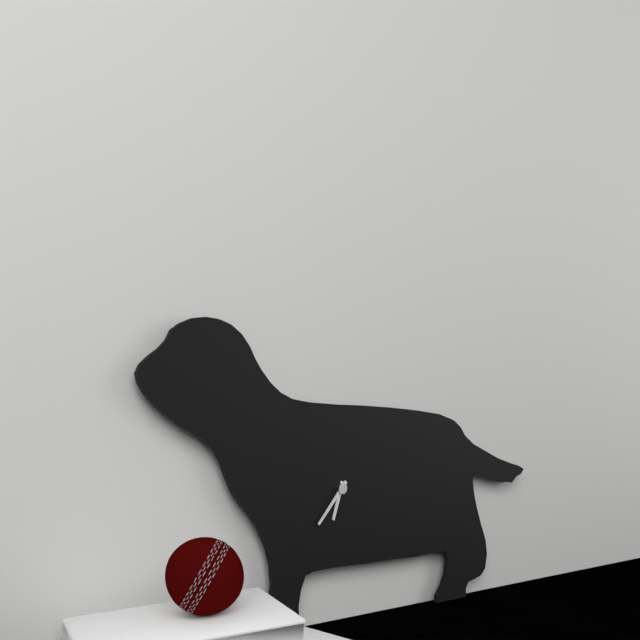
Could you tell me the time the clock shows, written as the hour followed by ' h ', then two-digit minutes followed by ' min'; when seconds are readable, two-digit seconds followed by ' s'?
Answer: 6 h 37 min
